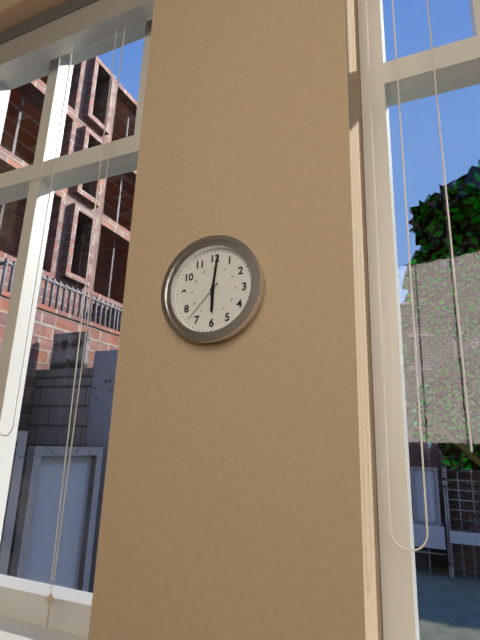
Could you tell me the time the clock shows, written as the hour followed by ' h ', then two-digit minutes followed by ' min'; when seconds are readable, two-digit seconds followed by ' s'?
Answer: 6 h 01 min
